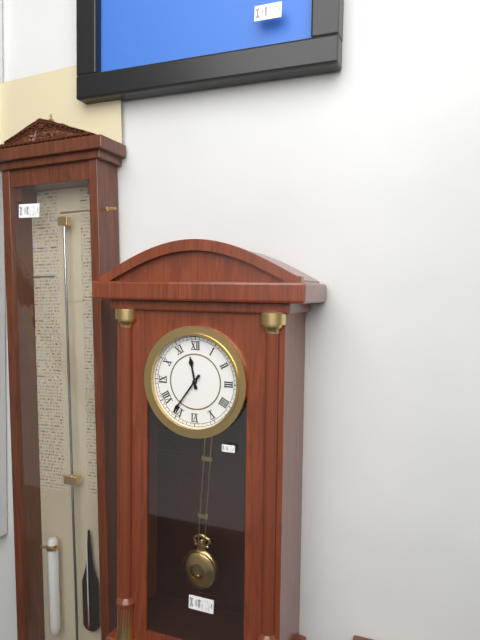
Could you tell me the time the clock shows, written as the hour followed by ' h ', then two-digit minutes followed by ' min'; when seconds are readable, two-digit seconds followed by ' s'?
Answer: 11 h 36 min
